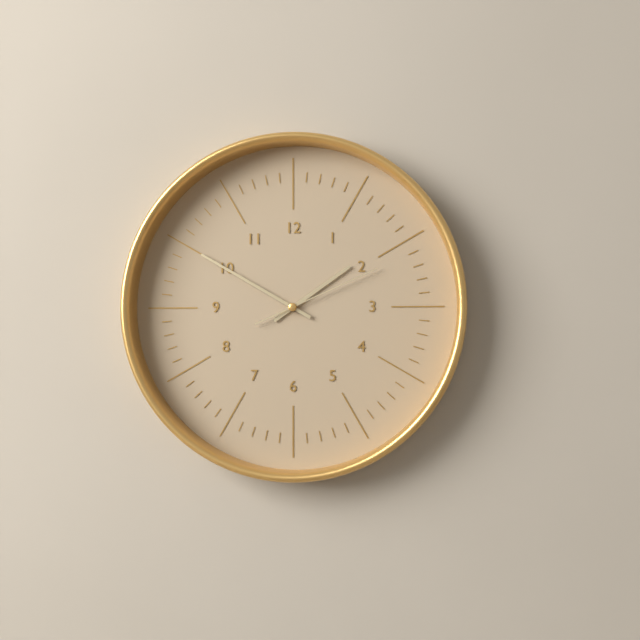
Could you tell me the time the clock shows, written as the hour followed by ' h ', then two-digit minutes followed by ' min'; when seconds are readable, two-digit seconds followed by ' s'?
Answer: 1 h 50 min 11 s
